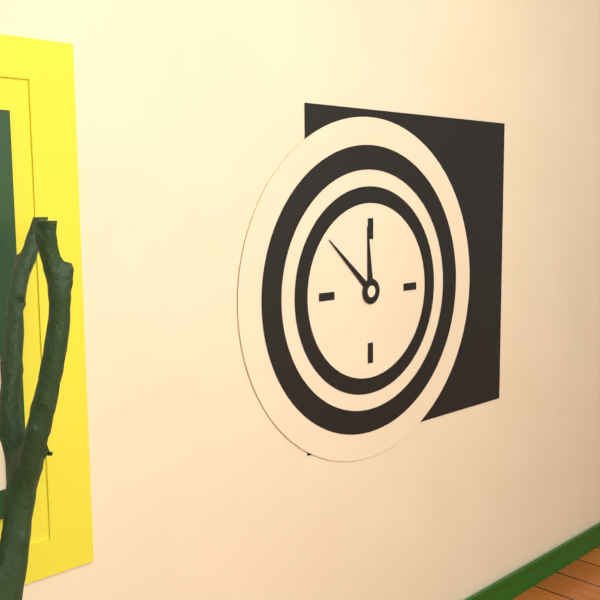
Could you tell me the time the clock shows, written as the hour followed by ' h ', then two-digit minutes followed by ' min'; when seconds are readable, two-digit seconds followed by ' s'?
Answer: 11 h 52 min
